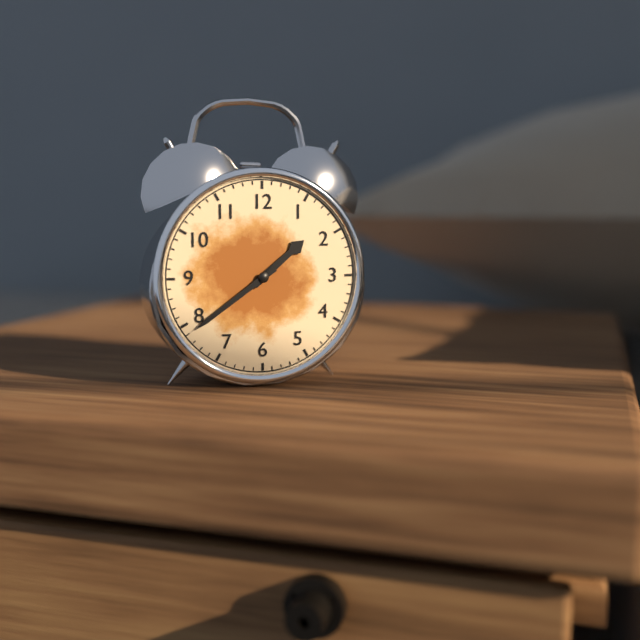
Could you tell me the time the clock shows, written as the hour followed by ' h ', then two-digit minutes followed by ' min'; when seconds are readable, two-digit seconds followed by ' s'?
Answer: 1 h 39 min
